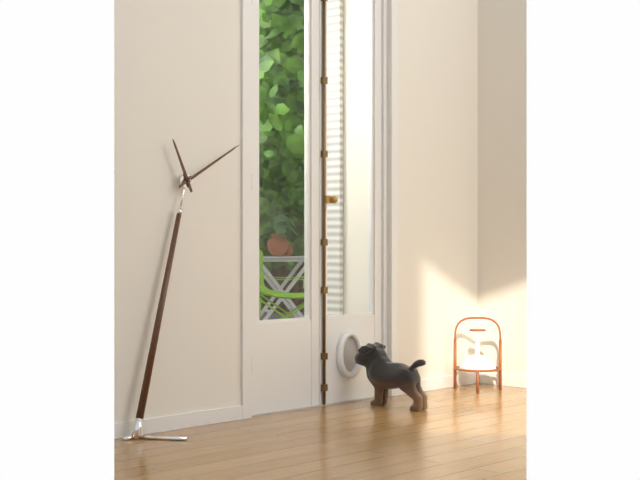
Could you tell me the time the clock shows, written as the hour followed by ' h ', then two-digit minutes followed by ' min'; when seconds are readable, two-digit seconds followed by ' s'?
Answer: 11 h 10 min
